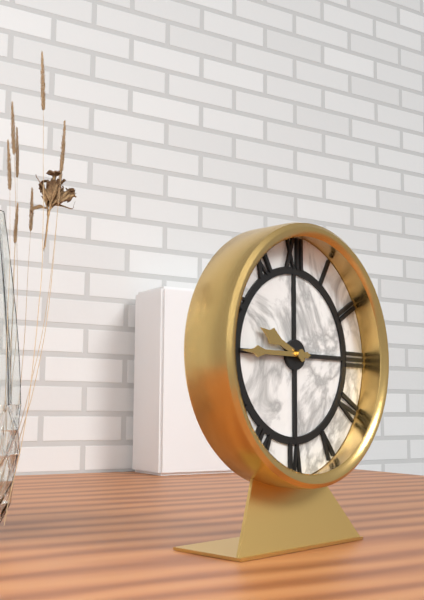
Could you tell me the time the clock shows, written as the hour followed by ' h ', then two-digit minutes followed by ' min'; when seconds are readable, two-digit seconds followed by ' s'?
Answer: 9 h 45 min
